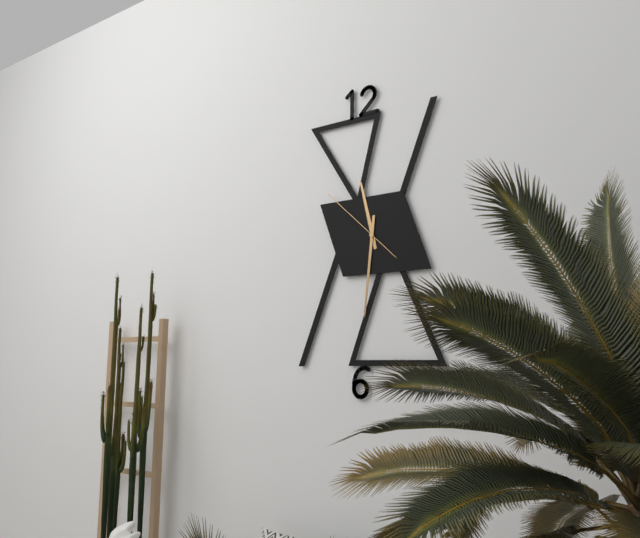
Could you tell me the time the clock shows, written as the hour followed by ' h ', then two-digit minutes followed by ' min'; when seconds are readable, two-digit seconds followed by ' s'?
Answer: 11 h 31 min 52 s
